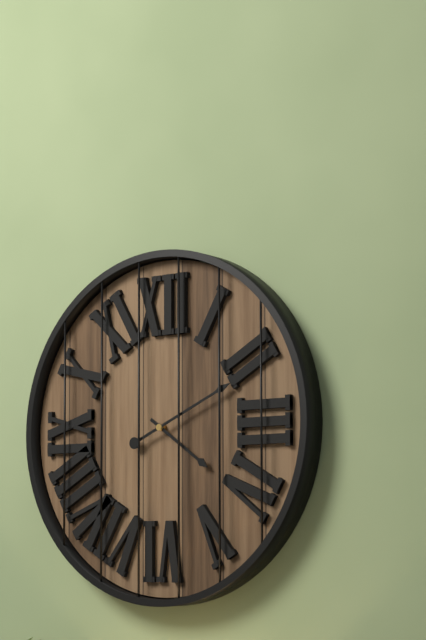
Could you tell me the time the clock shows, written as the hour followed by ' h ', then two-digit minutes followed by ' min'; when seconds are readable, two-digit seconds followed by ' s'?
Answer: 4 h 11 min
